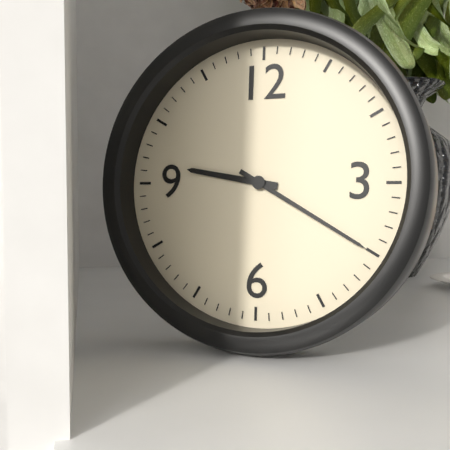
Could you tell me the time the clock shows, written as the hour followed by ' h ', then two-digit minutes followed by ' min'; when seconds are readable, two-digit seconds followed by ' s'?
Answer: 9 h 20 min
